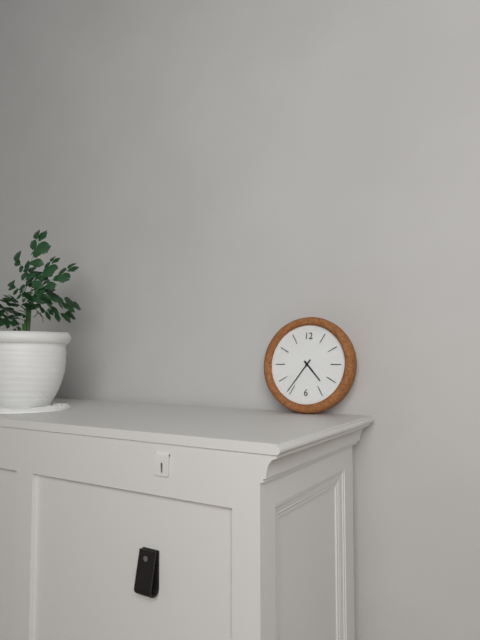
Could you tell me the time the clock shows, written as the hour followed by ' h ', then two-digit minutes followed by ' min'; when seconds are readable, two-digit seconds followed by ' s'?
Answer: 4 h 36 min
